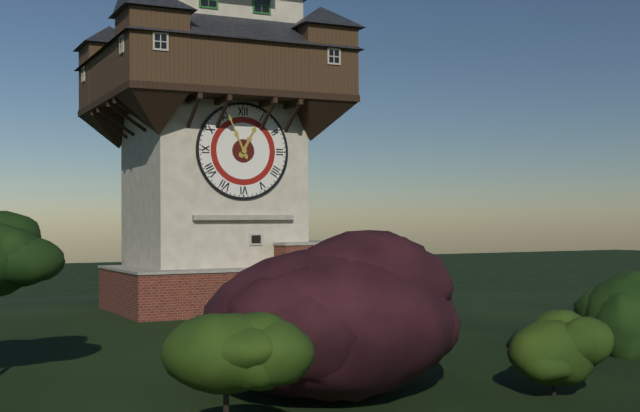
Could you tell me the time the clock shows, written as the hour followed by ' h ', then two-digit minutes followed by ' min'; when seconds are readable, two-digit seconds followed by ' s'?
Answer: 12 h 56 min
